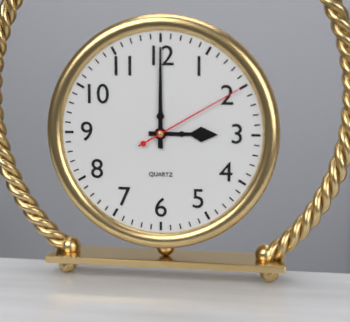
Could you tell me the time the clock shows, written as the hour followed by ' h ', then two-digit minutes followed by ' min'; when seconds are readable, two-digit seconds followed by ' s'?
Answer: 3 h 00 min 10 s
